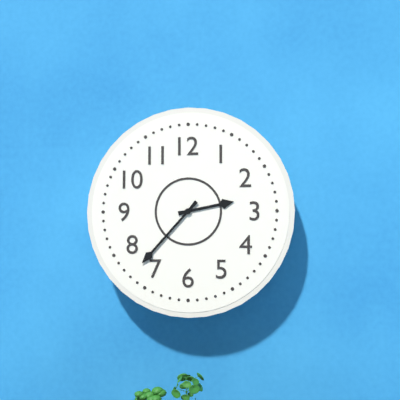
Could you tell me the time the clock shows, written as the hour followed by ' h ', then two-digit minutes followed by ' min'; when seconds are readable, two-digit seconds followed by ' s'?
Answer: 2 h 37 min
